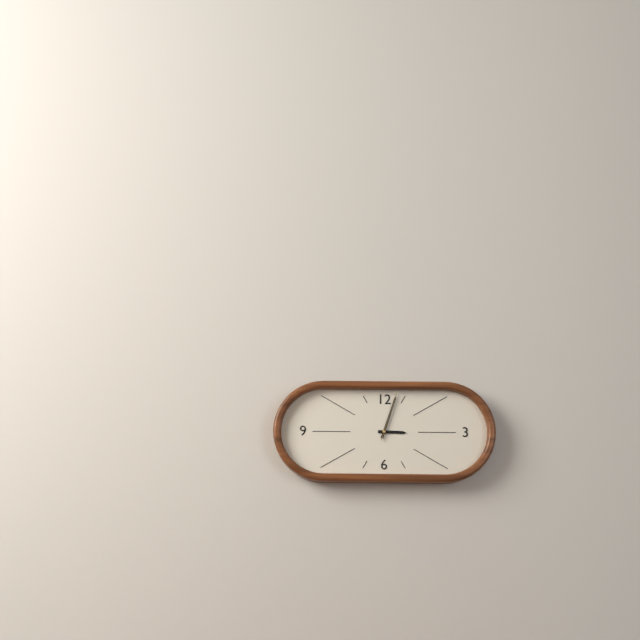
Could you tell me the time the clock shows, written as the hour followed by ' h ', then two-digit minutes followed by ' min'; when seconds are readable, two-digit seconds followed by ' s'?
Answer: 3 h 03 min 03 s
